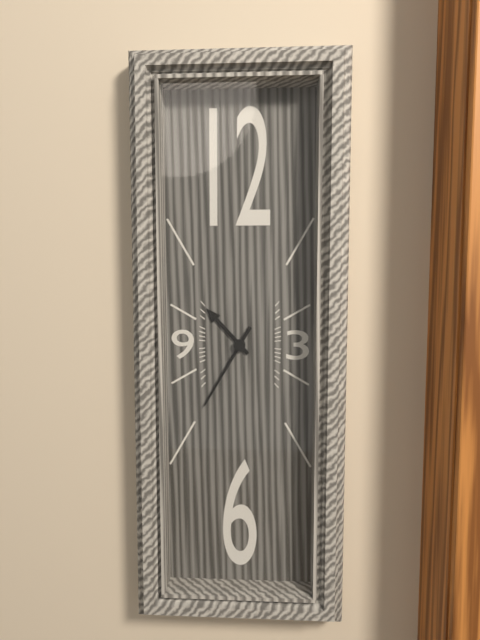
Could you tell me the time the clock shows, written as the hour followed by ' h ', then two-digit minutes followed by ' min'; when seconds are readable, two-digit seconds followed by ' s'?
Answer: 10 h 35 min
